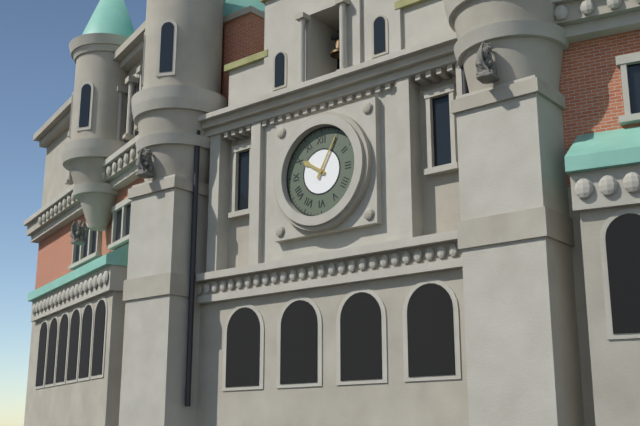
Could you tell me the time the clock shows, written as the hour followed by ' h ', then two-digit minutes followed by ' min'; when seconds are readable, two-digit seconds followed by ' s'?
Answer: 10 h 05 min
